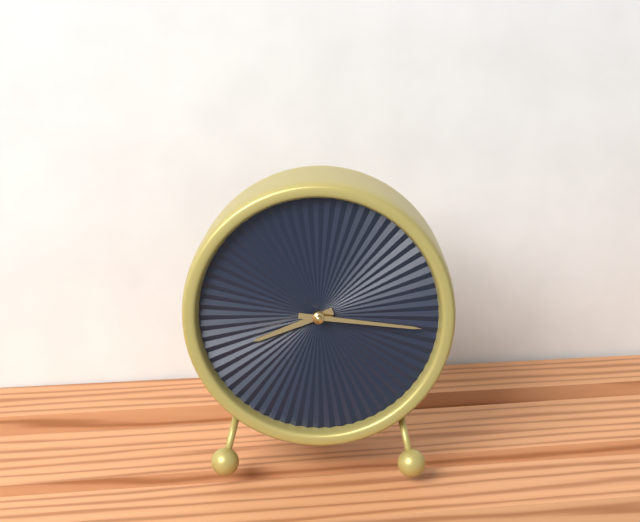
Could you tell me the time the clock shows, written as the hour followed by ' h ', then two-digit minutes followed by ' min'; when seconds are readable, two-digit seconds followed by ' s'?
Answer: 8 h 16 min
